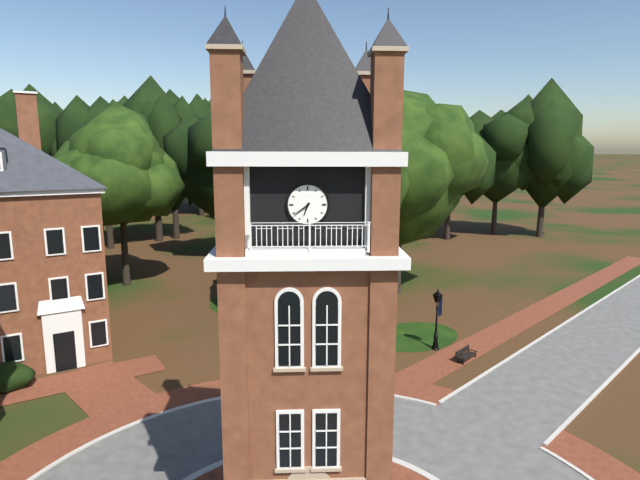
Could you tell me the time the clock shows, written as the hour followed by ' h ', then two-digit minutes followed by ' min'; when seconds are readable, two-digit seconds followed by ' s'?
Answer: 6 h 39 min
